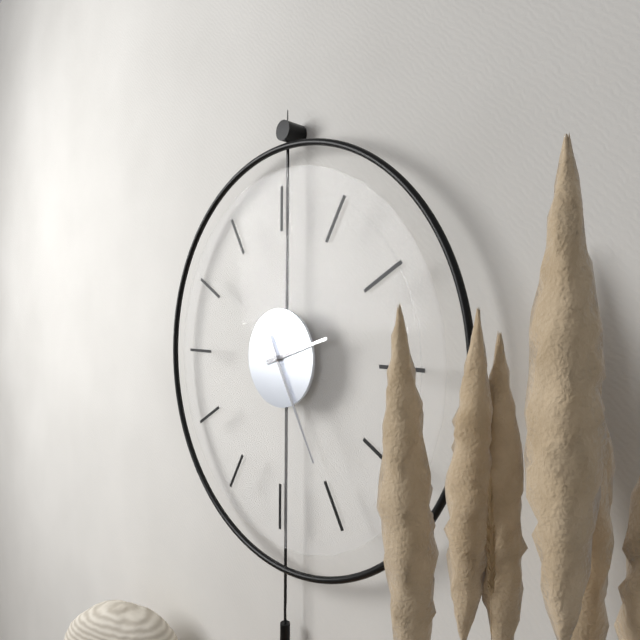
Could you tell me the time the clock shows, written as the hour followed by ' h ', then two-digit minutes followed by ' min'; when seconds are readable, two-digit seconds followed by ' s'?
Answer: 2 h 25 min
